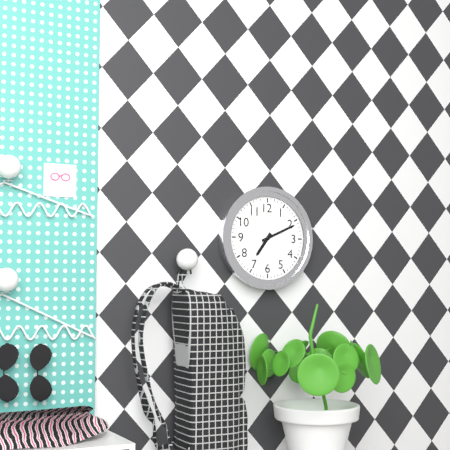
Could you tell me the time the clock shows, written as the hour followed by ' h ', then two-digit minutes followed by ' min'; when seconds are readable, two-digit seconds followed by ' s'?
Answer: 7 h 11 min
